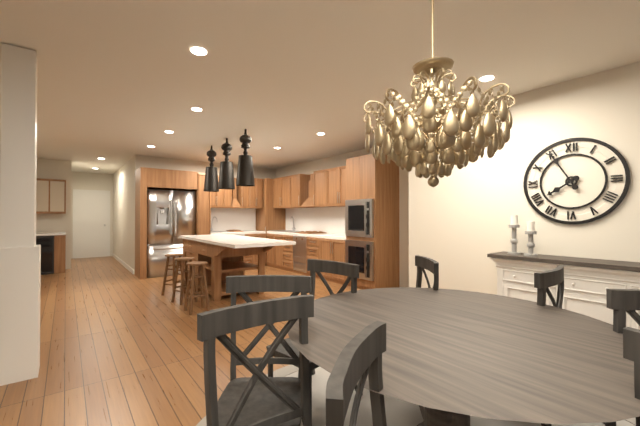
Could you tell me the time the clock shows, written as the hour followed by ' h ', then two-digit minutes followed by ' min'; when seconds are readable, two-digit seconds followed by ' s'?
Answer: 7 h 55 min
